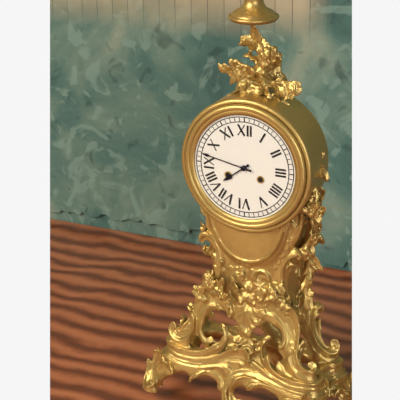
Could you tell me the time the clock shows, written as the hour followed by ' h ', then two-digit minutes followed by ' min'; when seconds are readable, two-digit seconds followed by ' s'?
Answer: 7 h 47 min
